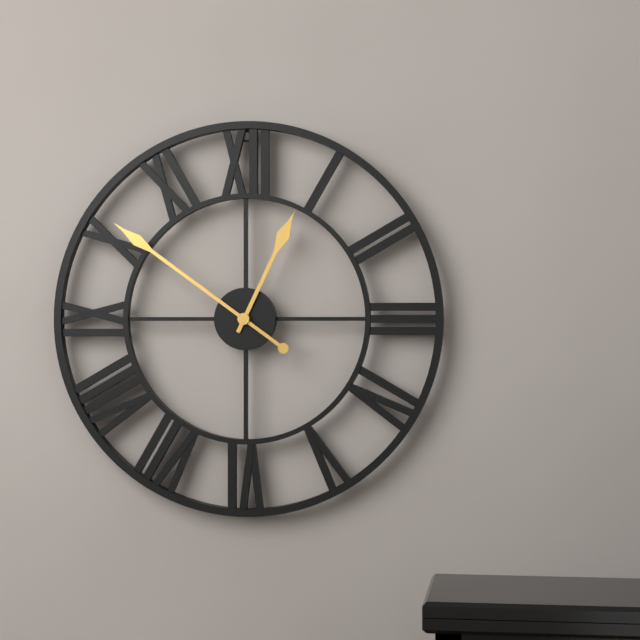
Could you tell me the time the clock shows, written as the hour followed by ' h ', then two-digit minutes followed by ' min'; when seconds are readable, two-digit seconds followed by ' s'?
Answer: 12 h 51 min
